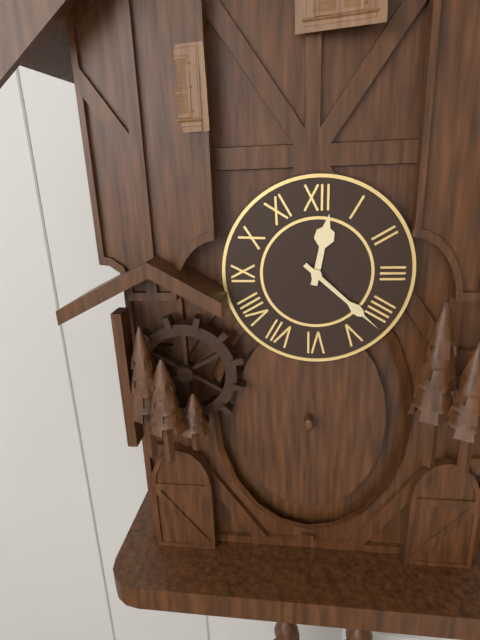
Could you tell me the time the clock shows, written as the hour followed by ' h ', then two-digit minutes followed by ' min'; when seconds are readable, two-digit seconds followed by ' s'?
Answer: 12 h 22 min
